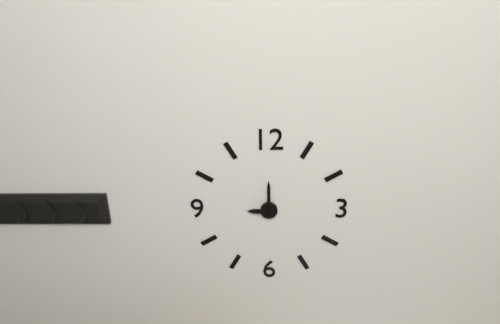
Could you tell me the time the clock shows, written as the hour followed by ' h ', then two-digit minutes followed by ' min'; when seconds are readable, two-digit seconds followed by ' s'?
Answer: 9 h 00 min
